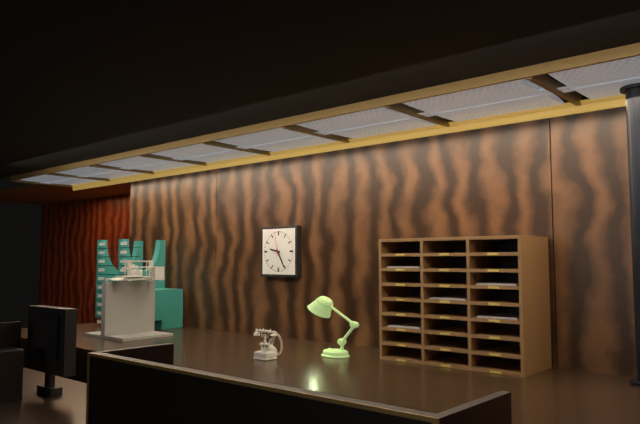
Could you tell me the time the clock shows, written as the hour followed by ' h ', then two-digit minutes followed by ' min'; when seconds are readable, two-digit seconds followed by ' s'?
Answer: 9 h 25 min
